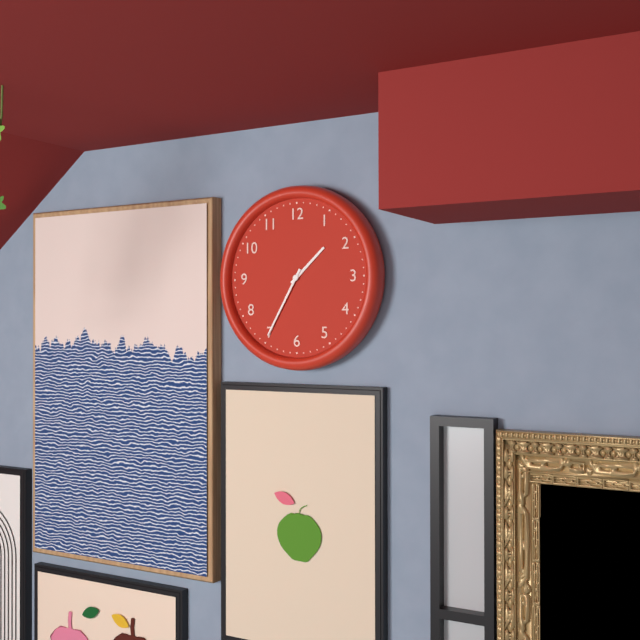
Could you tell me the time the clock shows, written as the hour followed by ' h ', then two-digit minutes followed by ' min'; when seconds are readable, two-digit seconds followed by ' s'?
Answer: 1 h 35 min
